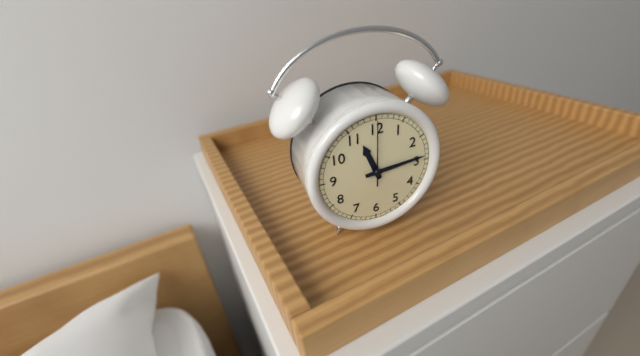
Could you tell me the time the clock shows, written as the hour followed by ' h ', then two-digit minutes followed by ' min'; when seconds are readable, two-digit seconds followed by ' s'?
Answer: 11 h 14 min 00 s
